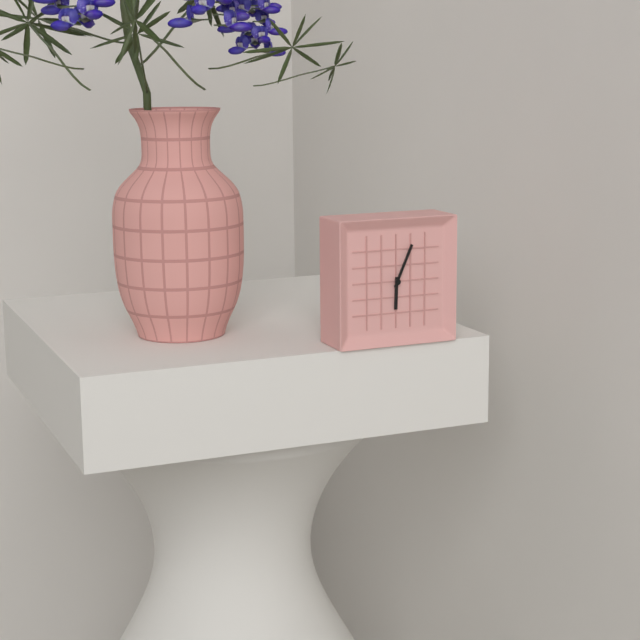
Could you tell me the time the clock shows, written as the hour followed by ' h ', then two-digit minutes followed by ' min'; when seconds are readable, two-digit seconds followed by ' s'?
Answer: 6 h 04 min
